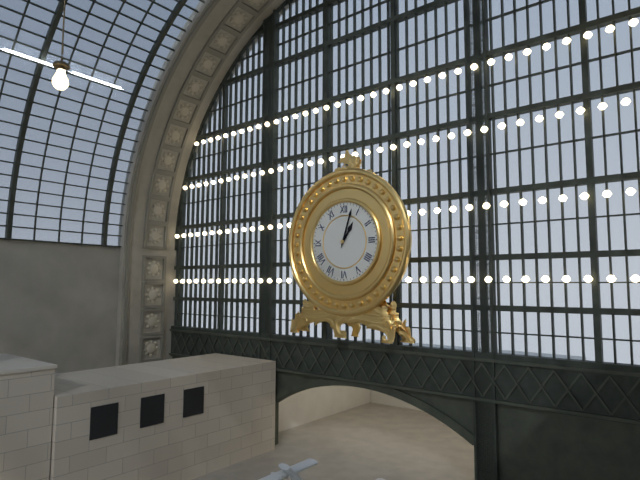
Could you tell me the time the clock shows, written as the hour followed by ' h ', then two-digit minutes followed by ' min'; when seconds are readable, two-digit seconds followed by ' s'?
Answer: 1 h 03 min
